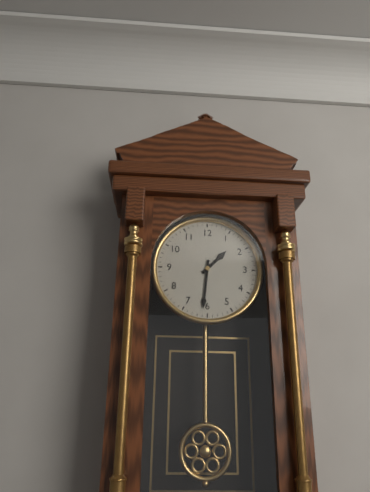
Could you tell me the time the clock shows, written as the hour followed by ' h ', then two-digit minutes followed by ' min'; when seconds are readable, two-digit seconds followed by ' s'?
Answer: 1 h 31 min
